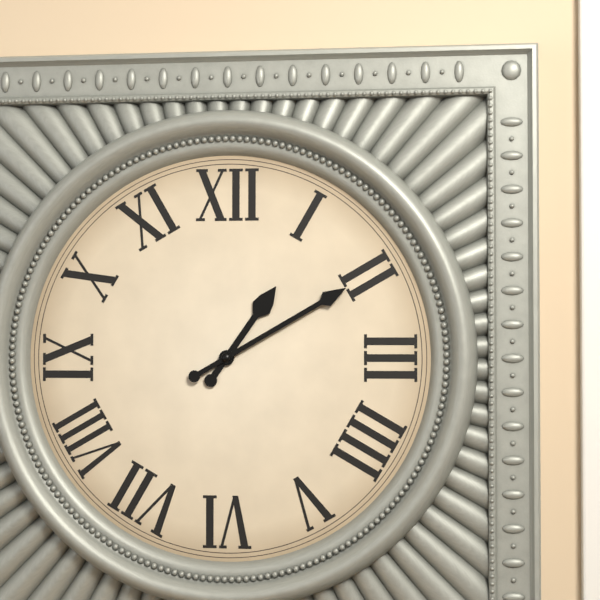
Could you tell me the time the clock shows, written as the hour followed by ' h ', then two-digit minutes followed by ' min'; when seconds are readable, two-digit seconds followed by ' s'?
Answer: 1 h 10 min
